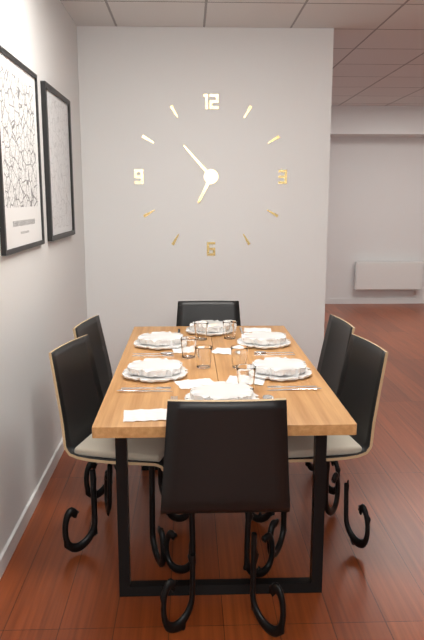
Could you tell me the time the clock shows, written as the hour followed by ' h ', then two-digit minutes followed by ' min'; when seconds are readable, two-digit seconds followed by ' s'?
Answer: 6 h 53 min
